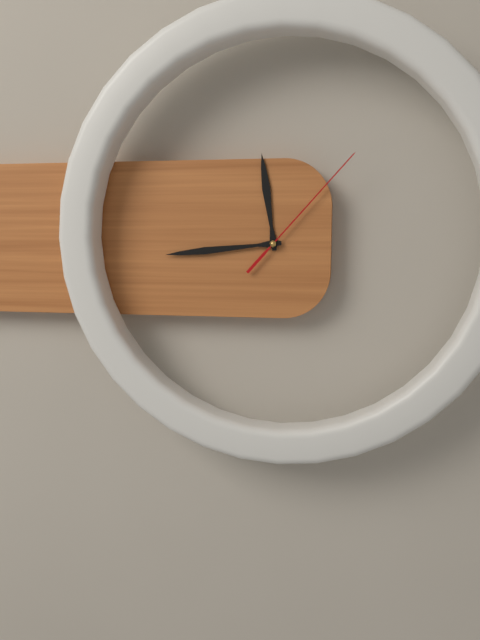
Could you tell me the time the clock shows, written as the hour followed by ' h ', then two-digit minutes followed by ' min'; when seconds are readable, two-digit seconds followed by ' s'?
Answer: 11 h 44 min 07 s
